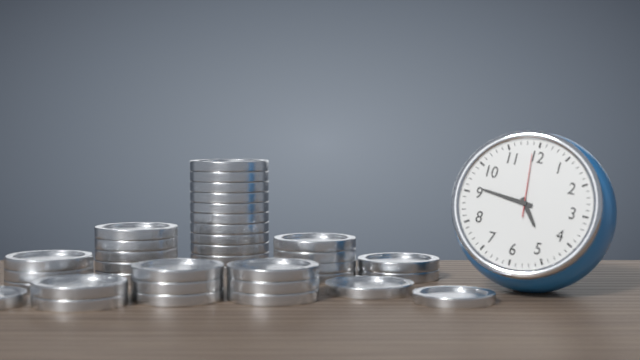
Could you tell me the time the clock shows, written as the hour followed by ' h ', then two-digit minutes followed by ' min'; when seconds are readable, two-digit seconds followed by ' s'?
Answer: 4 h 46 min 59 s
